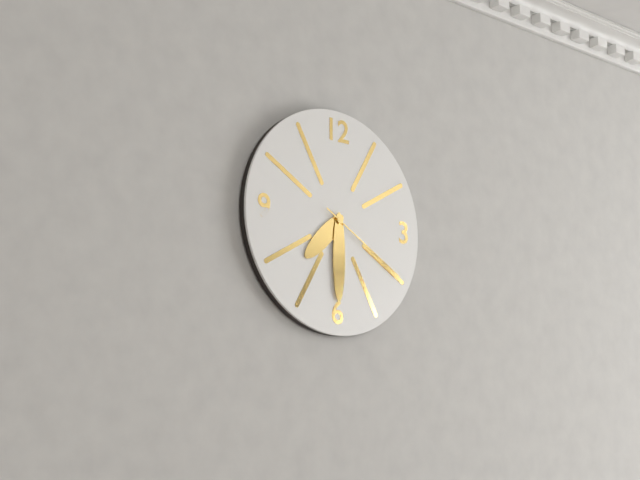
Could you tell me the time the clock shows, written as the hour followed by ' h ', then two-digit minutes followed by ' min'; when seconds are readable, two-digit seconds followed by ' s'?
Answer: 7 h 30 min 20 s
